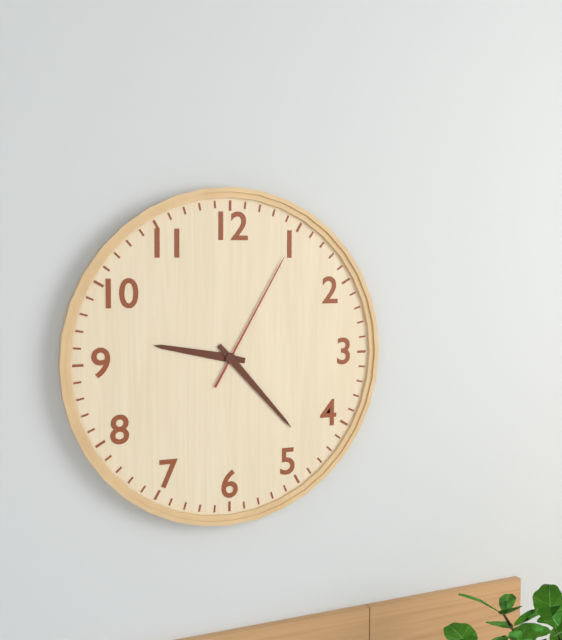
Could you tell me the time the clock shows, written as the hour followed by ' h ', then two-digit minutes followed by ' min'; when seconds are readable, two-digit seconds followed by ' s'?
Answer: 9 h 23 min 05 s
